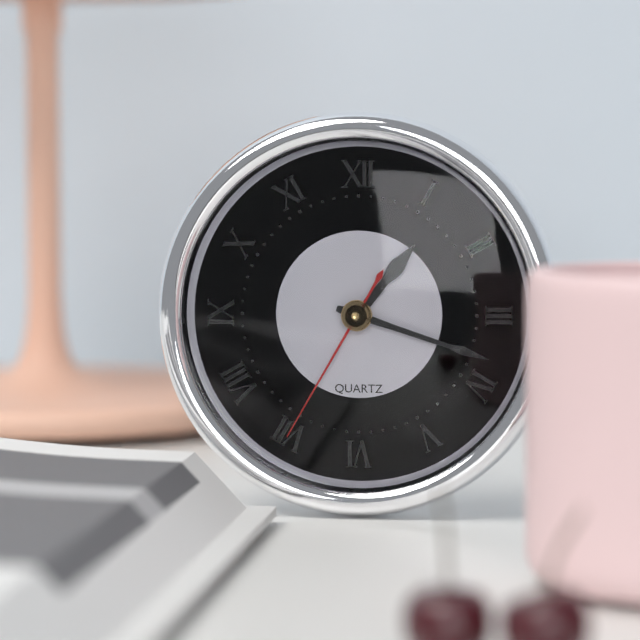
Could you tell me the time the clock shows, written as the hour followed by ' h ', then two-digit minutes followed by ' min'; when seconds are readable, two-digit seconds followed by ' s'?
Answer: 1 h 18 min 35 s
